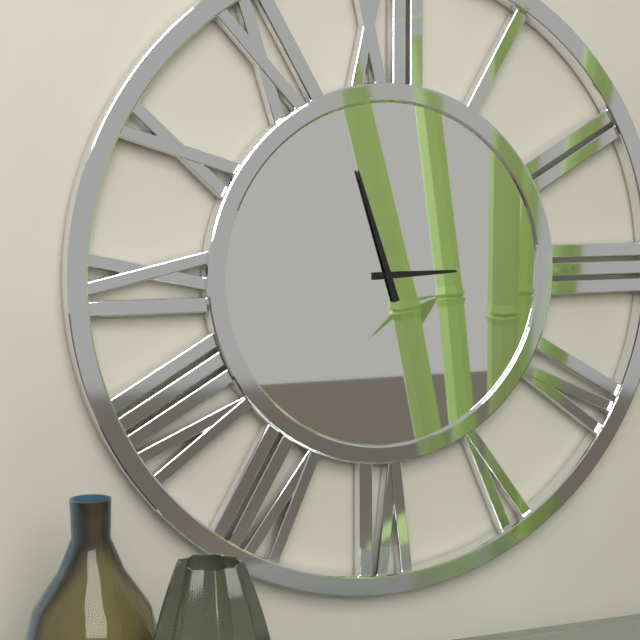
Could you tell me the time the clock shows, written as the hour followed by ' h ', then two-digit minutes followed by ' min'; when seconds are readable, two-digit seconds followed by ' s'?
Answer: 2 h 57 min
